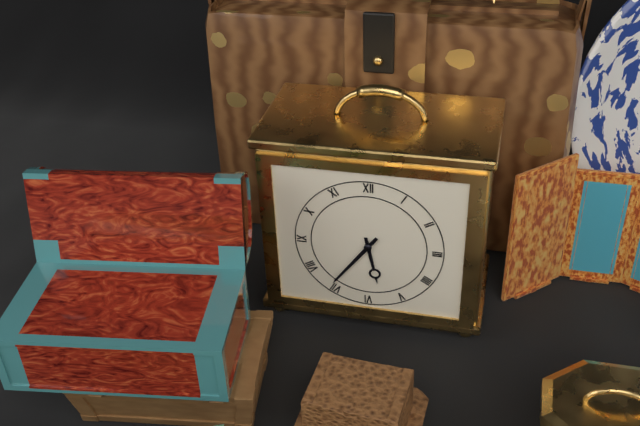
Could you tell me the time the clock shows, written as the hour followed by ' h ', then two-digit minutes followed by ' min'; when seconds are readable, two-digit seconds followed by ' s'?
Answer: 5 h 36 min
